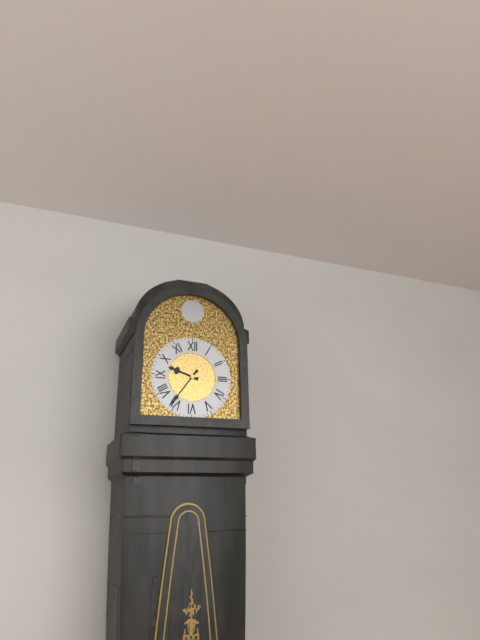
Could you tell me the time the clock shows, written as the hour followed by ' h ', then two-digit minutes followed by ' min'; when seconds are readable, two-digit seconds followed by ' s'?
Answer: 9 h 36 min
